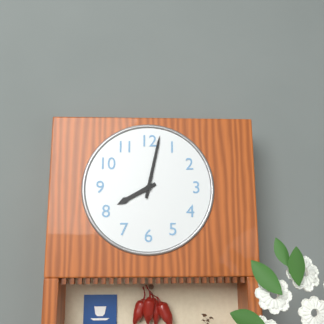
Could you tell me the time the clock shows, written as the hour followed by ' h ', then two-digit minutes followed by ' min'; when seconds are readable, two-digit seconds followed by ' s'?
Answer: 8 h 02 min
